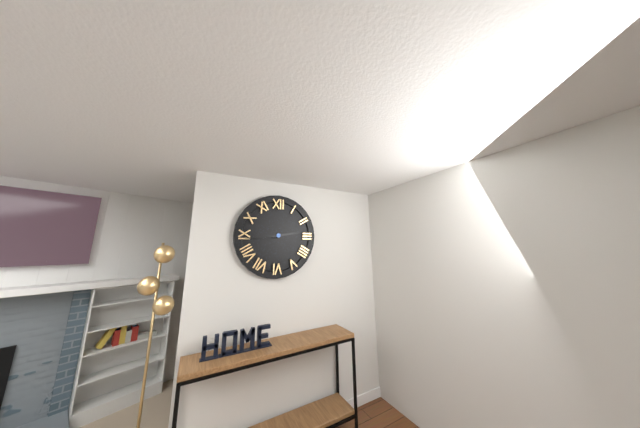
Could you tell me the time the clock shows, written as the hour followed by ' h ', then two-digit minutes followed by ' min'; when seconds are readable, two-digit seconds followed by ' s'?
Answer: 2 h 44 min
